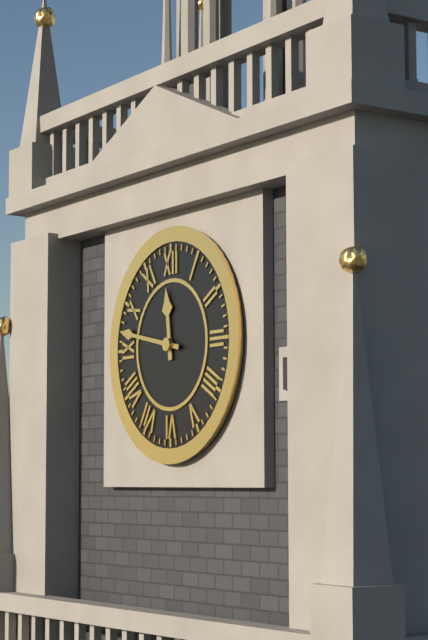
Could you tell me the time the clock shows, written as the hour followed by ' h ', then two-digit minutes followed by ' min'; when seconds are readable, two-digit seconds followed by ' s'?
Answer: 11 h 47 min
